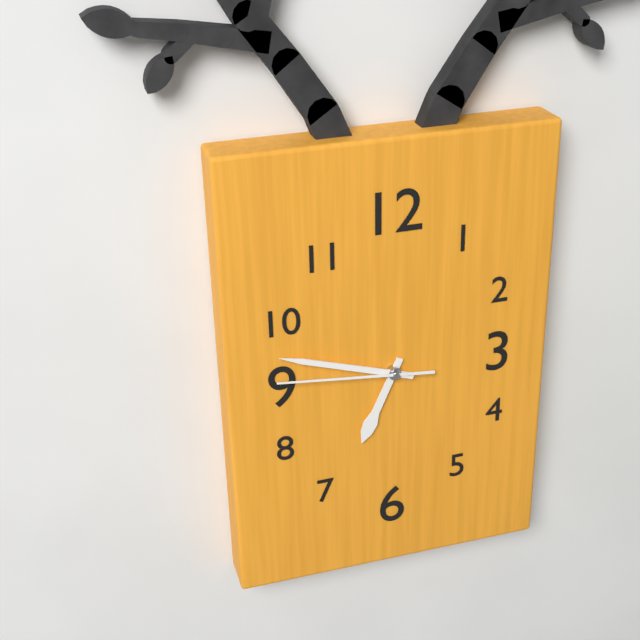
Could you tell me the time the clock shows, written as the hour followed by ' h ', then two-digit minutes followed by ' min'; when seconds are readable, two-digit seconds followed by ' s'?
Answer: 6 h 48 min 46 s
